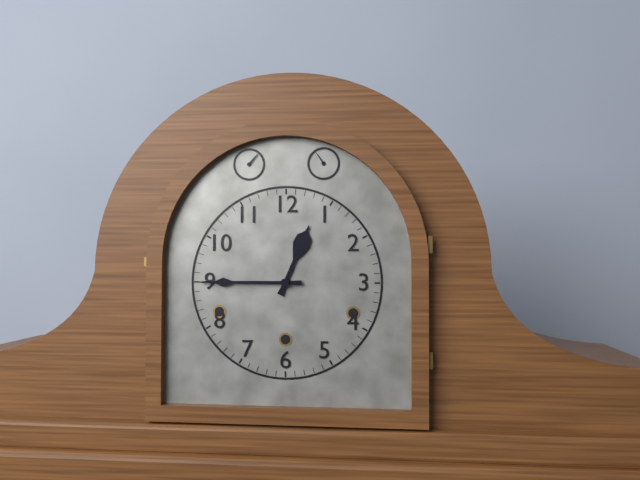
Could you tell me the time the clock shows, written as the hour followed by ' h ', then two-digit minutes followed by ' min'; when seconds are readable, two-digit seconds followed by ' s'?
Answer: 12 h 45 min
